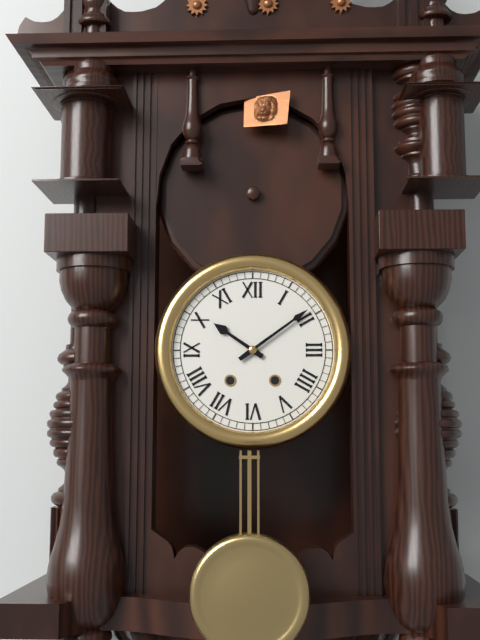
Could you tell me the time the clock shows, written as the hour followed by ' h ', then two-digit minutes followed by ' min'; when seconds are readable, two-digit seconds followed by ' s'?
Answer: 10 h 09 min
